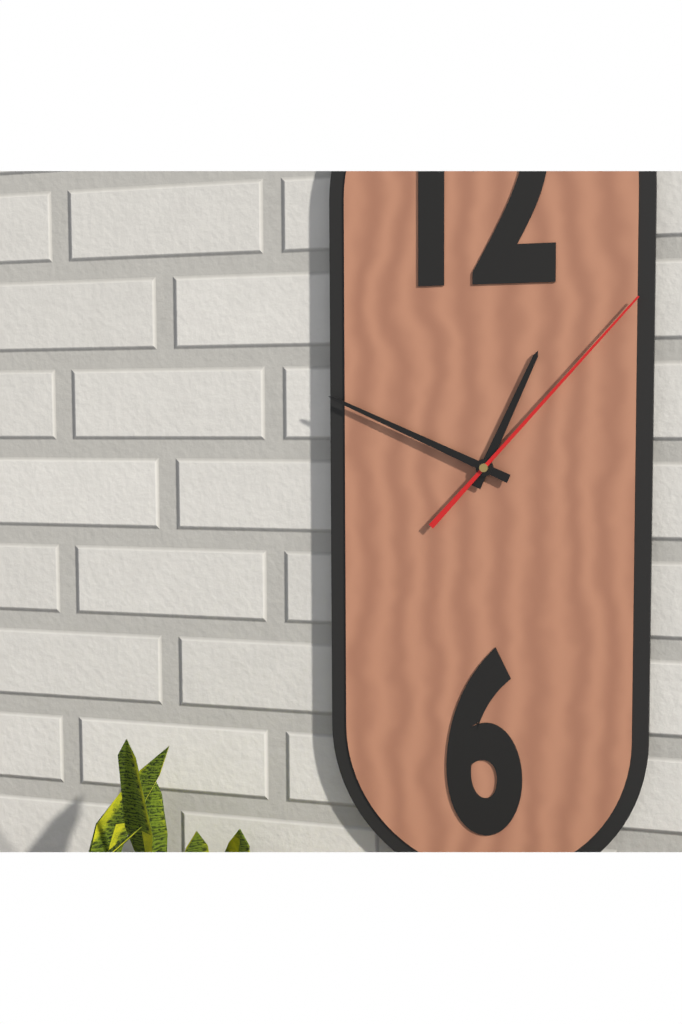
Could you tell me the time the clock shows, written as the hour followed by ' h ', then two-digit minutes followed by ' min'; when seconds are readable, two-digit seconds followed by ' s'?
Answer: 12 h 49 min 07 s
